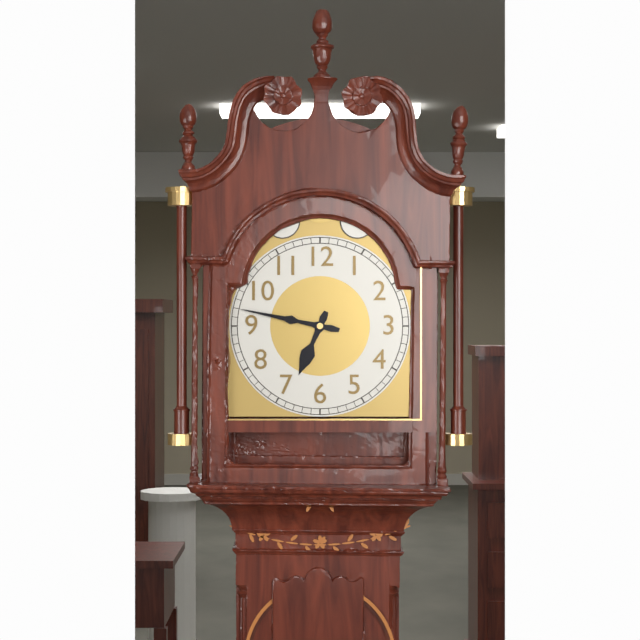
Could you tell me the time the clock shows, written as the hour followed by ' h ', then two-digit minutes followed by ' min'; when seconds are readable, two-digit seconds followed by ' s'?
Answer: 6 h 47 min
